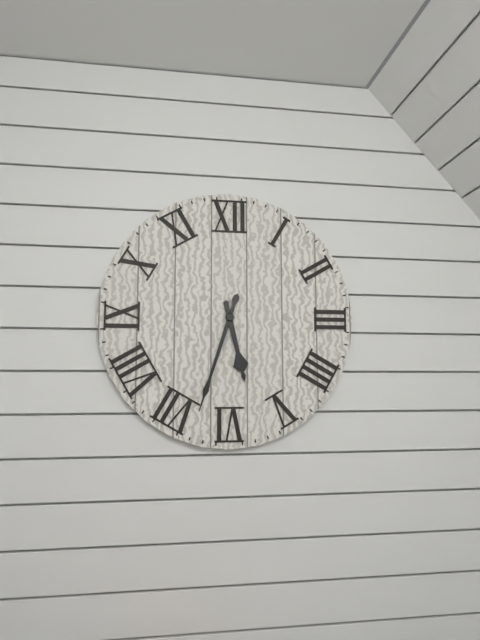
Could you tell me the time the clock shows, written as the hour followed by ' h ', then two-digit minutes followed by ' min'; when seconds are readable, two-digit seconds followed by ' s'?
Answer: 5 h 33 min
